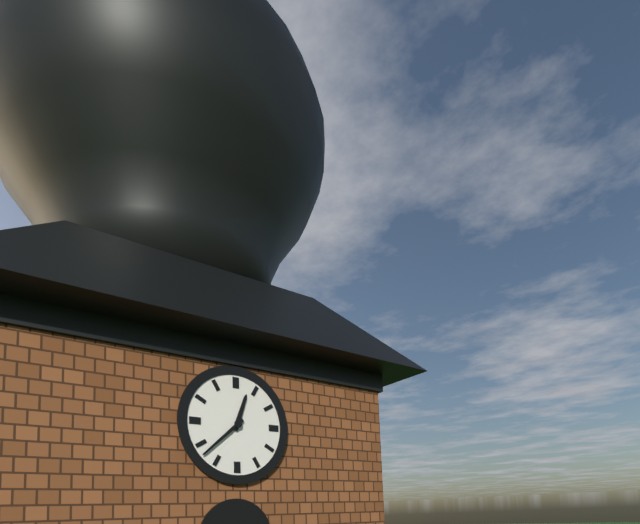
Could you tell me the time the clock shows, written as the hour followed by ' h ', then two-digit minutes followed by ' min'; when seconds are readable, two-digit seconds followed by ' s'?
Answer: 12 h 38 min
